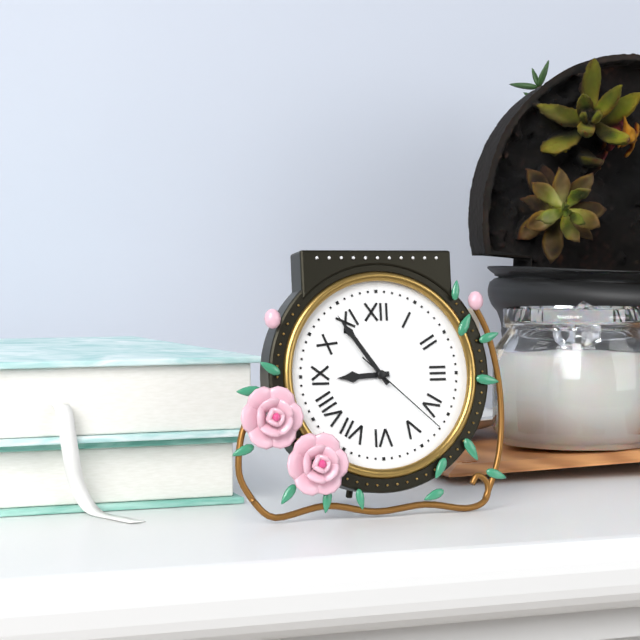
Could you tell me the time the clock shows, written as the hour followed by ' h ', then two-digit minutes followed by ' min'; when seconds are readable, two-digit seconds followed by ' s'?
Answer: 8 h 54 min 22 s
